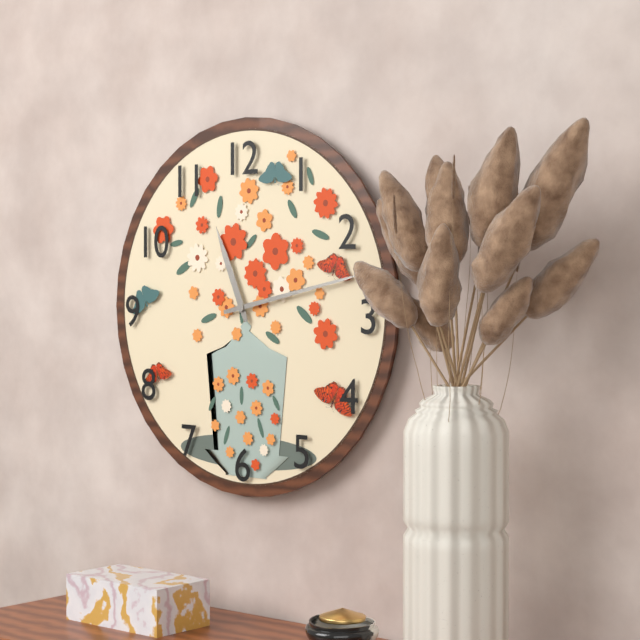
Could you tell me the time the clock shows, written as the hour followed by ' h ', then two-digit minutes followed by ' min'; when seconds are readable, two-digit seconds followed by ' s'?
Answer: 11 h 13 min
